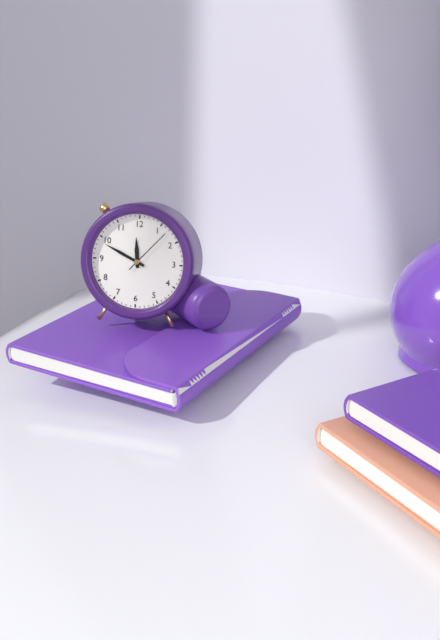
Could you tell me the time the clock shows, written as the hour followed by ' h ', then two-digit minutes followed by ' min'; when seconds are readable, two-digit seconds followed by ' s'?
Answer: 11 h 49 min
